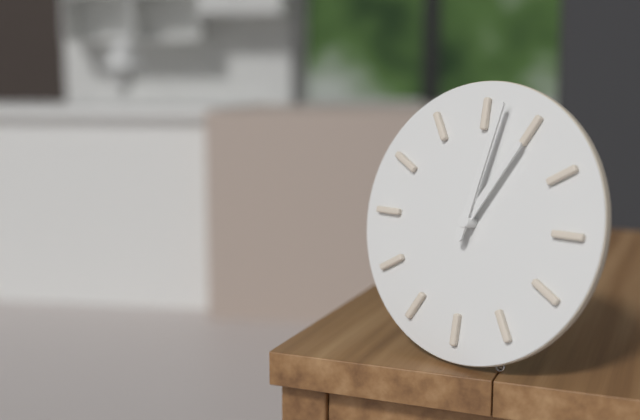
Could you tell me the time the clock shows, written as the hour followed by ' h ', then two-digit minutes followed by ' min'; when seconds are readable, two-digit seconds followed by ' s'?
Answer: 1 h 02 min
